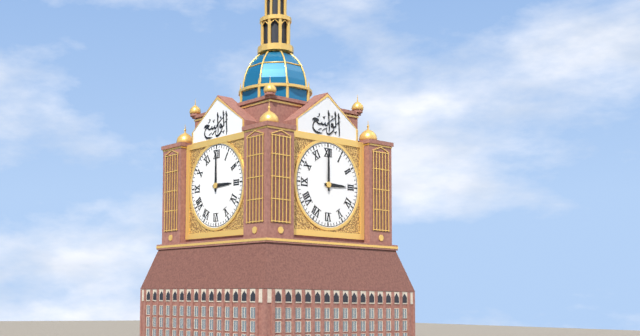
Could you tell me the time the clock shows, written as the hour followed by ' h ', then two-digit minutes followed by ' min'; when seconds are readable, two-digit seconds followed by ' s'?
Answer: 3 h 00 min
